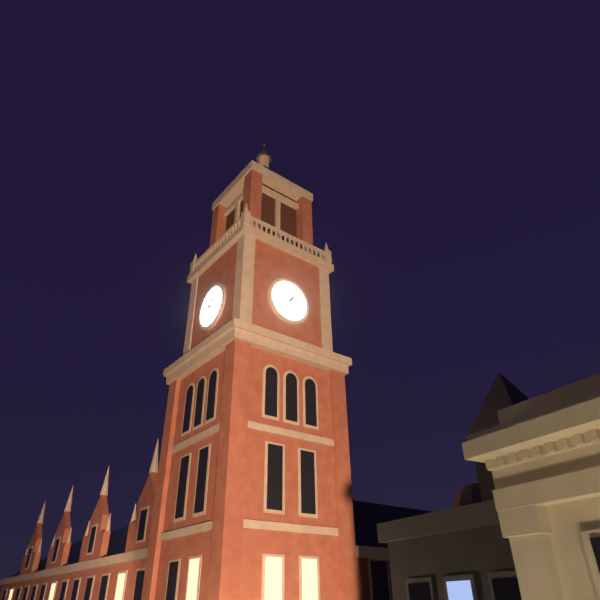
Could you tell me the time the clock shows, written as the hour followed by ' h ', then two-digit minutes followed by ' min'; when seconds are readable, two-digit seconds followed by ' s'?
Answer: 1 h 11 min
